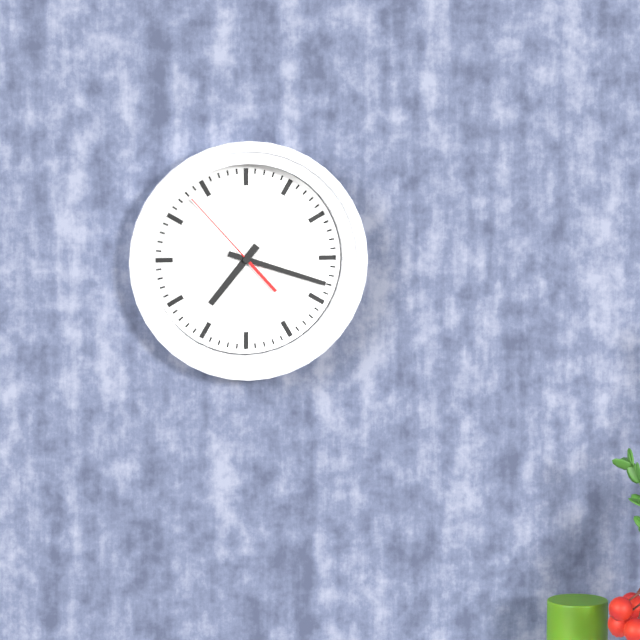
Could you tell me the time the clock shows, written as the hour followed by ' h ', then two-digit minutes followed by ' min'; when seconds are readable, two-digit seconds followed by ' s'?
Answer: 7 h 18 min 53 s
